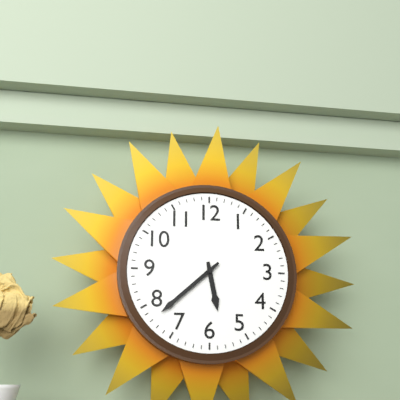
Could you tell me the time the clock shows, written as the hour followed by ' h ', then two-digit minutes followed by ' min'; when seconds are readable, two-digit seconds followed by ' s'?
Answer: 5 h 38 min
